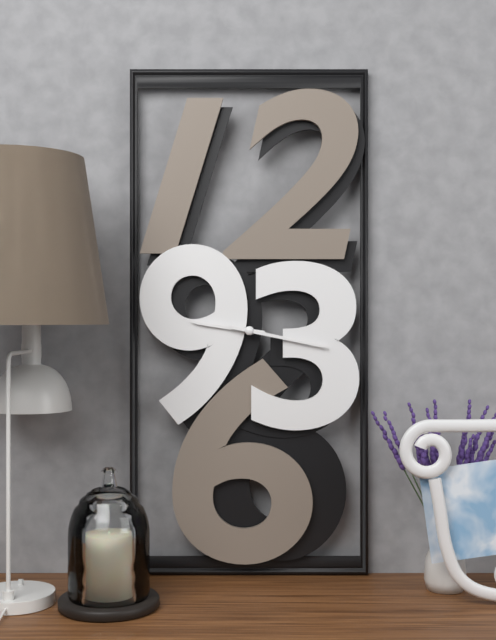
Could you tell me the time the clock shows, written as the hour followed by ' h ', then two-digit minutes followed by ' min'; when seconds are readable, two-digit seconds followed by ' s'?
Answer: 9 h 17 min
